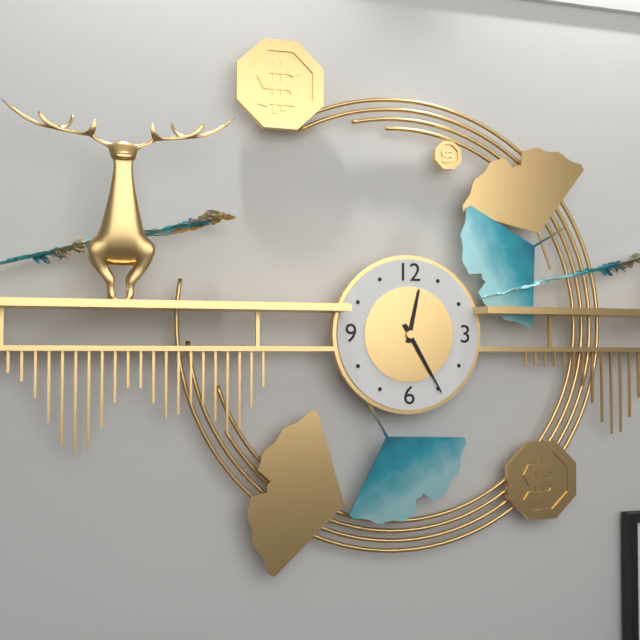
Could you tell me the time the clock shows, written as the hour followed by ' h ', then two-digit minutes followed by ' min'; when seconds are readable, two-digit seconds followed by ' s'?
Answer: 12 h 25 min
